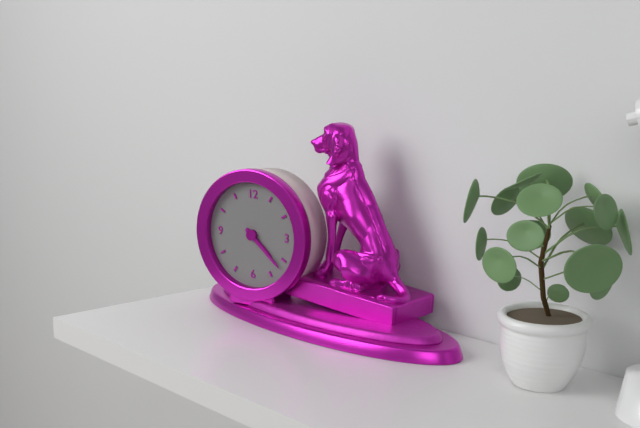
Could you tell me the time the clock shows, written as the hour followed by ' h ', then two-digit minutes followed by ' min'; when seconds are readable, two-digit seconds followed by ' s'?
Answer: 4 h 22 min
